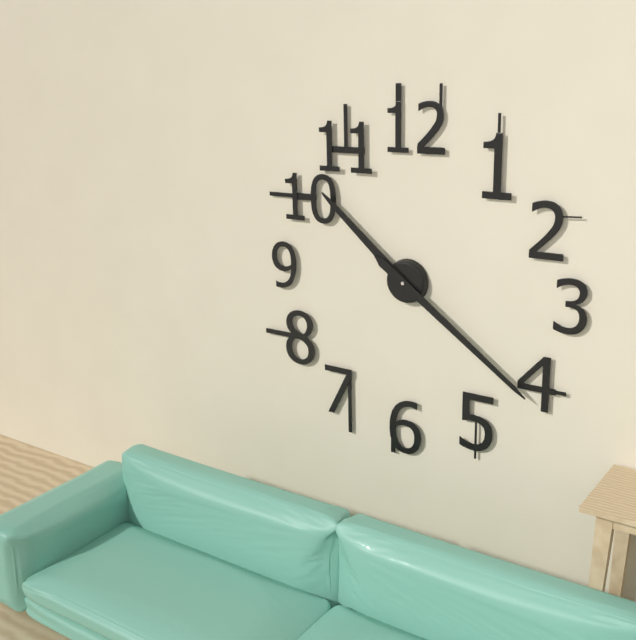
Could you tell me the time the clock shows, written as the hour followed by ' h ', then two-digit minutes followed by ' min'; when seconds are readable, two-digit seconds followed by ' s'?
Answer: 10 h 21 min
